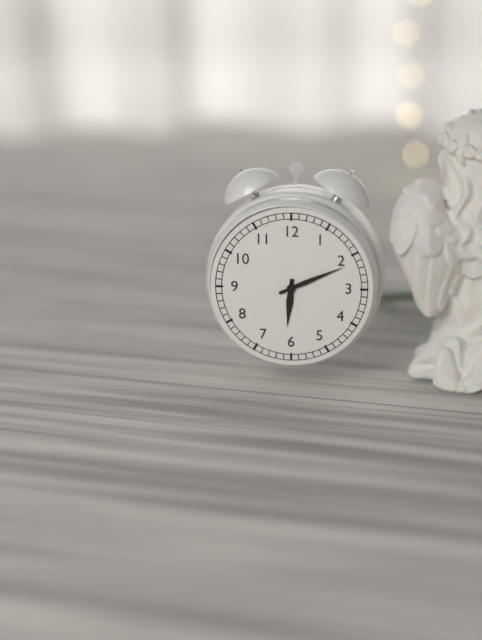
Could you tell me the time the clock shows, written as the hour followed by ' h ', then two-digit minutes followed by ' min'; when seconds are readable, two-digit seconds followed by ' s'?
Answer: 6 h 11 min
